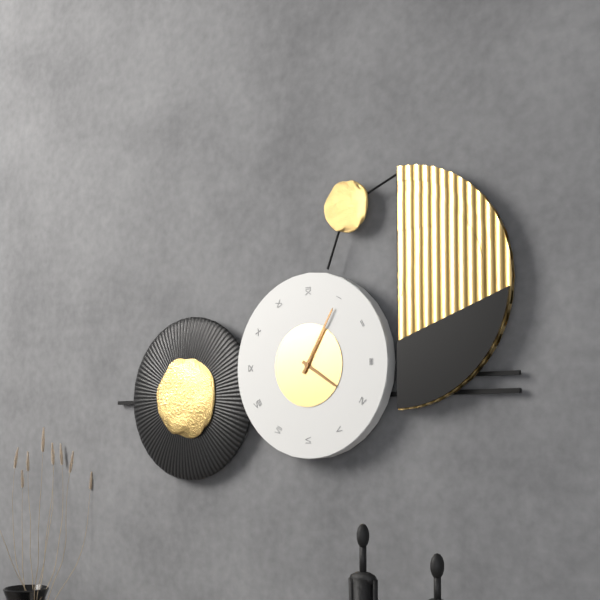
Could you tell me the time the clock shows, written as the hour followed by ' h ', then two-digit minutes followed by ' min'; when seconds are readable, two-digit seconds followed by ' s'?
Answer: 4 h 05 min
